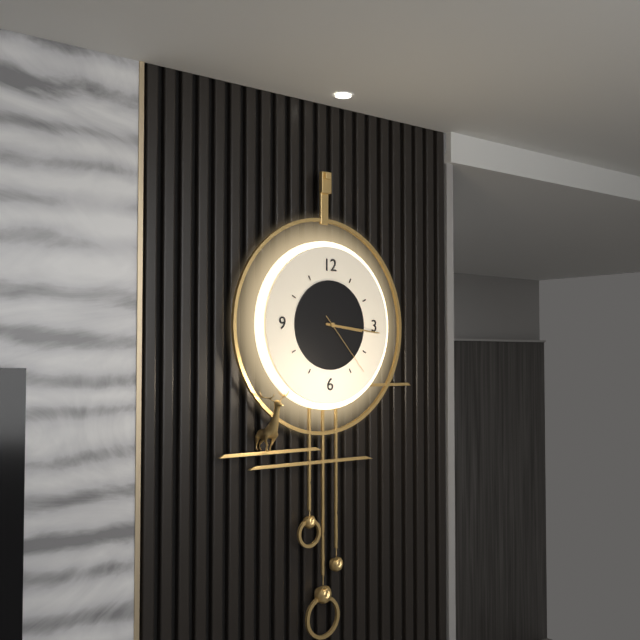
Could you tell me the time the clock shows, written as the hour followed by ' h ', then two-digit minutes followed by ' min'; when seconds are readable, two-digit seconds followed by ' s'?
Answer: 3 h 16 min 23 s
